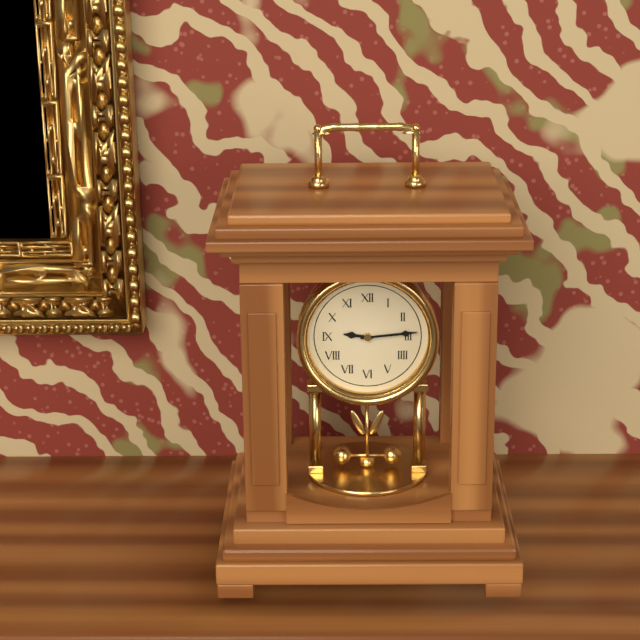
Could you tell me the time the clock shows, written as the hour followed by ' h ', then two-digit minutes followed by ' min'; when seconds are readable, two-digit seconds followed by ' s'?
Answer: 9 h 14 min
